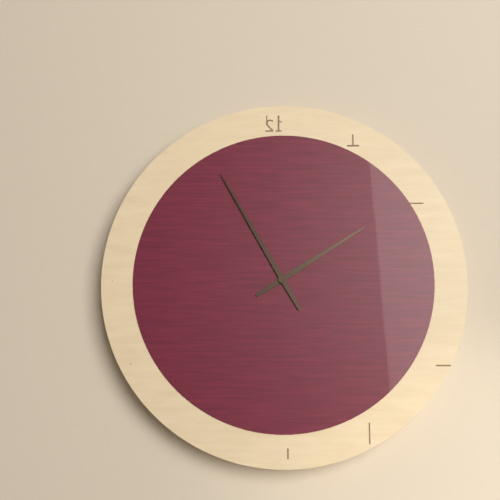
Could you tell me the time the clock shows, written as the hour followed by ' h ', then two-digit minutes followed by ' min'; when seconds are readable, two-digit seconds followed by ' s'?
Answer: 1 h 55 min
